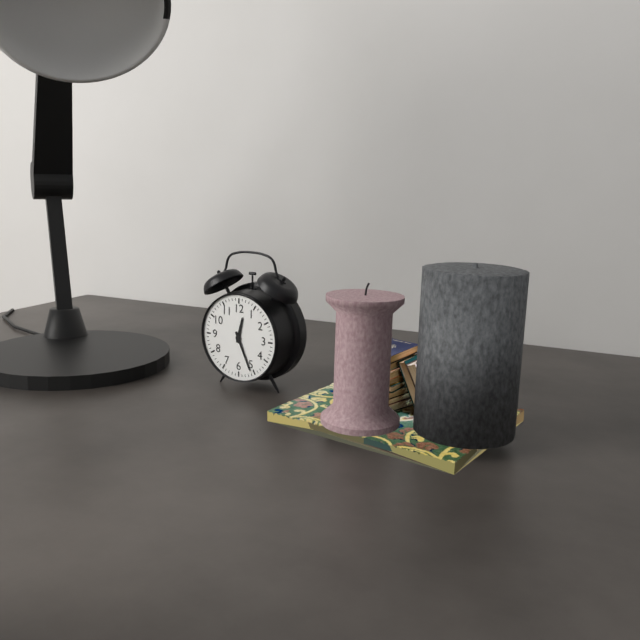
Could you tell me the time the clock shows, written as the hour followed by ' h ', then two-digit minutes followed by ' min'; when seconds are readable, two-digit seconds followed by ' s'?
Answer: 12 h 26 min
